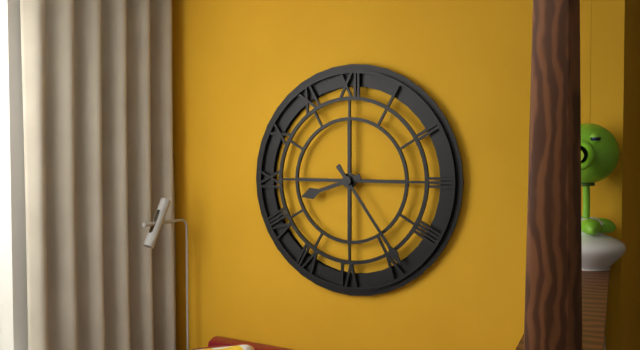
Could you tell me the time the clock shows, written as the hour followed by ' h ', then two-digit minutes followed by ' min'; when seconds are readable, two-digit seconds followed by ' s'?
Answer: 8 h 24 min
